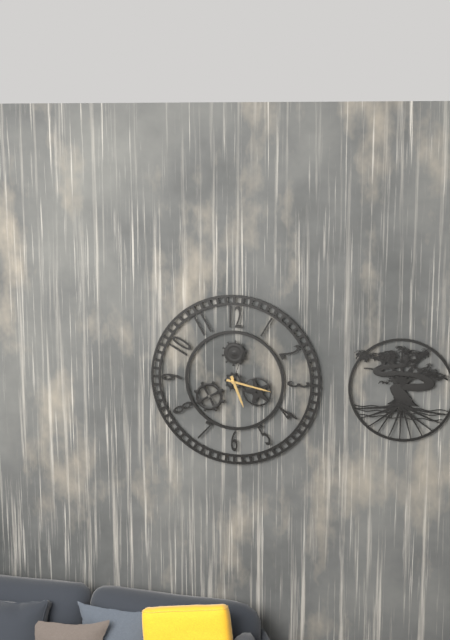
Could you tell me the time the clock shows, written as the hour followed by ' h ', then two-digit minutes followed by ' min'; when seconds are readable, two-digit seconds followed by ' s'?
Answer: 5 h 17 min
